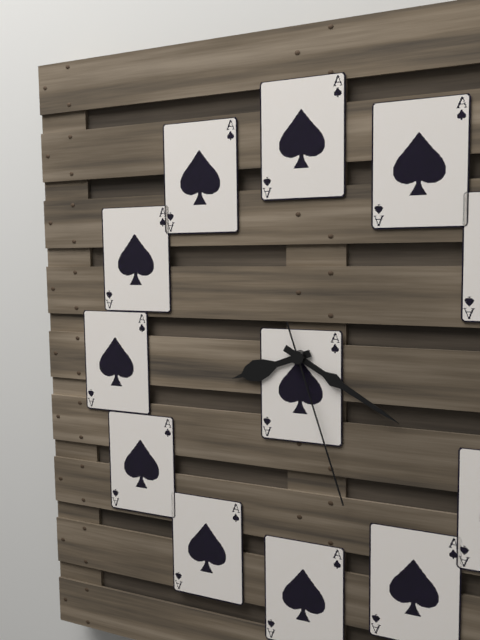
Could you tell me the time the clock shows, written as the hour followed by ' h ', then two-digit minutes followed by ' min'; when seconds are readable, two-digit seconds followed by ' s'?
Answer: 8 h 20 min 27 s
